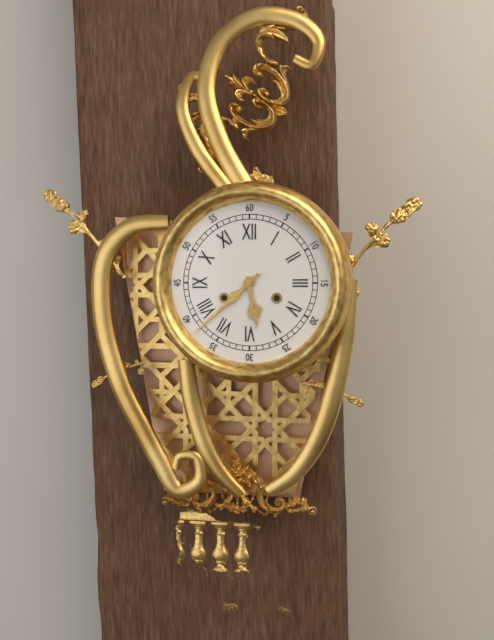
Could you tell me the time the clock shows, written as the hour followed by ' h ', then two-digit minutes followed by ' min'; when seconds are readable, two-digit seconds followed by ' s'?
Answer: 5 h 38 min
